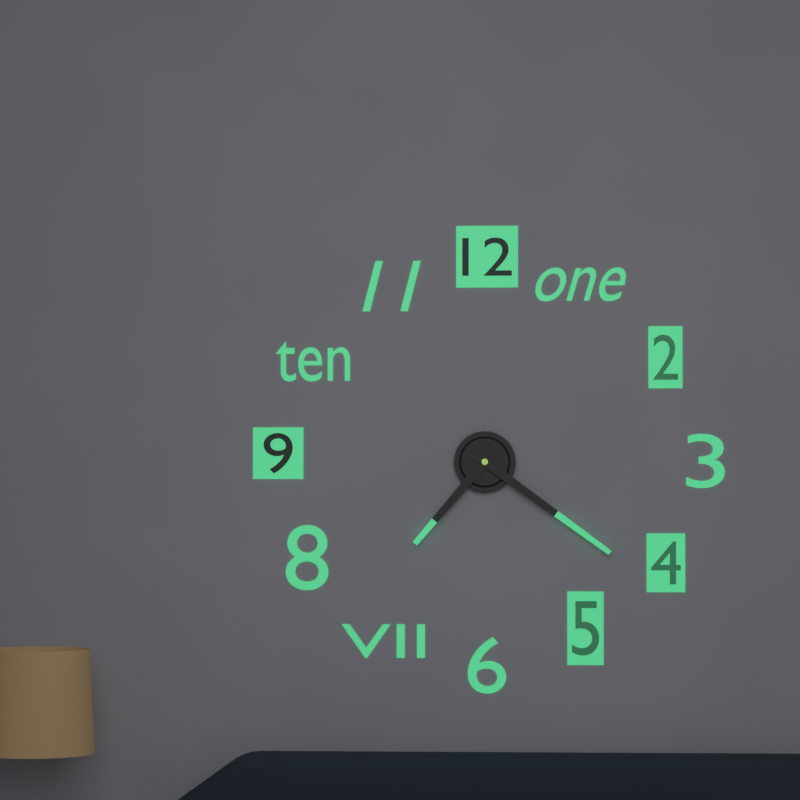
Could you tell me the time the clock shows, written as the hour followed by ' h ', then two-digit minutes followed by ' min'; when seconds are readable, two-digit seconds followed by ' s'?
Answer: 7 h 21 min
